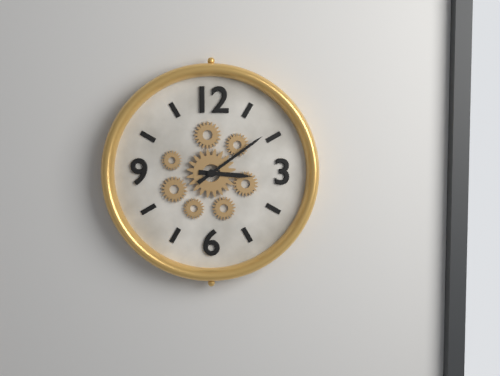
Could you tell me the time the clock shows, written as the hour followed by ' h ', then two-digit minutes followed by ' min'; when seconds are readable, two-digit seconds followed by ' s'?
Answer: 3 h 09 min
